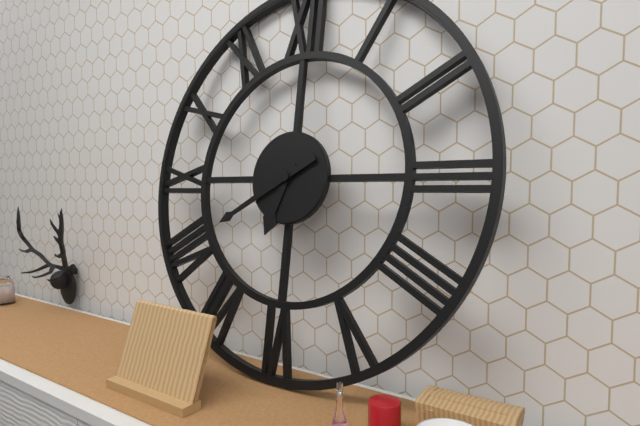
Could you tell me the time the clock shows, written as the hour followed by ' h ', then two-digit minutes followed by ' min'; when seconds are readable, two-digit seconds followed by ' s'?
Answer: 6 h 40 min
